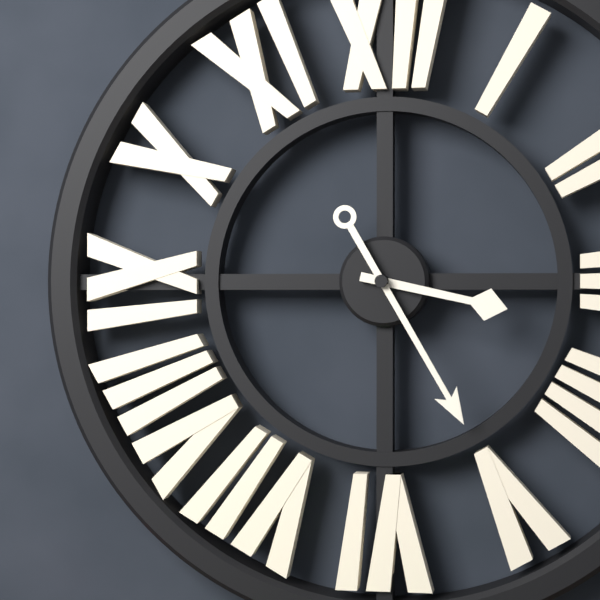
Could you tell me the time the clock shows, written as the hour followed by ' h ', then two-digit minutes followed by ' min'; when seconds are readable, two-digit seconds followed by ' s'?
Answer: 3 h 25 min
